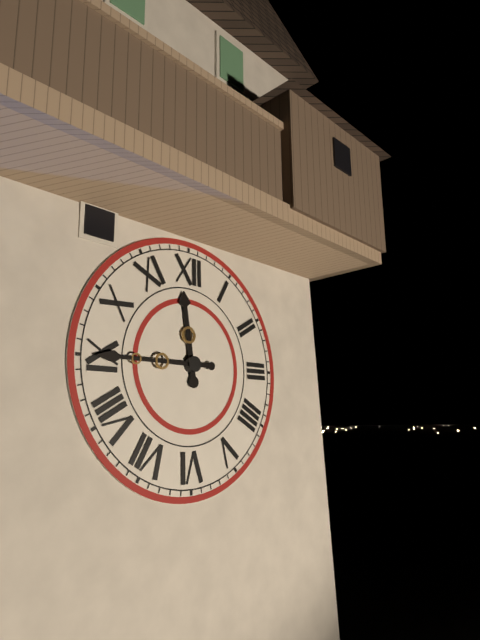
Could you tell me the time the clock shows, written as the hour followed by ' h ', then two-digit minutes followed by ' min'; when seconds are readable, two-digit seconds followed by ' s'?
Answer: 11 h 45 min
